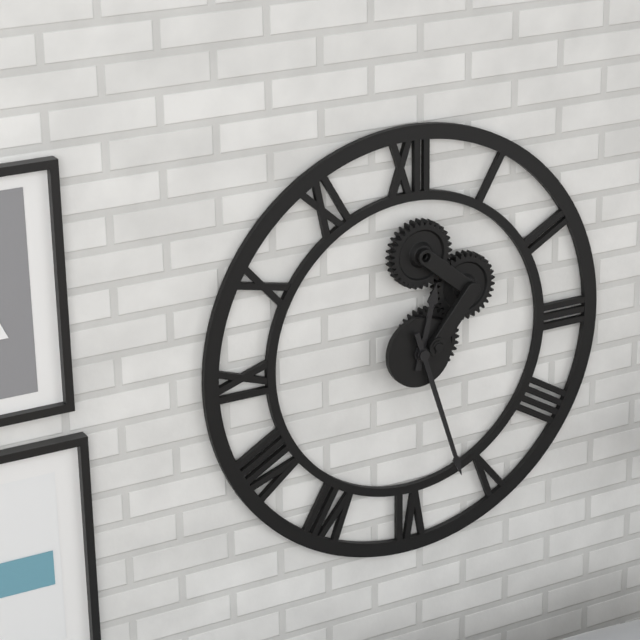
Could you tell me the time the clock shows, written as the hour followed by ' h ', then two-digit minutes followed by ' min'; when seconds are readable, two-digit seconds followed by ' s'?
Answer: 12 h 27 min
